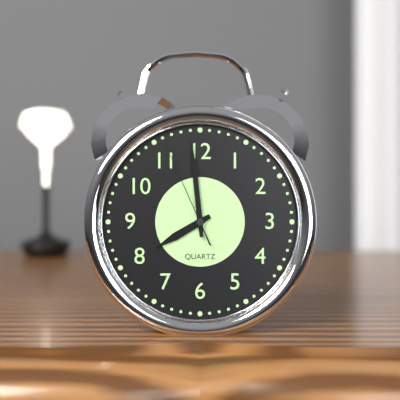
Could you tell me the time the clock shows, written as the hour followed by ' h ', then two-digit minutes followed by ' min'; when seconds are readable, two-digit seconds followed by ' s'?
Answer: 7 h 59 min 56 s
